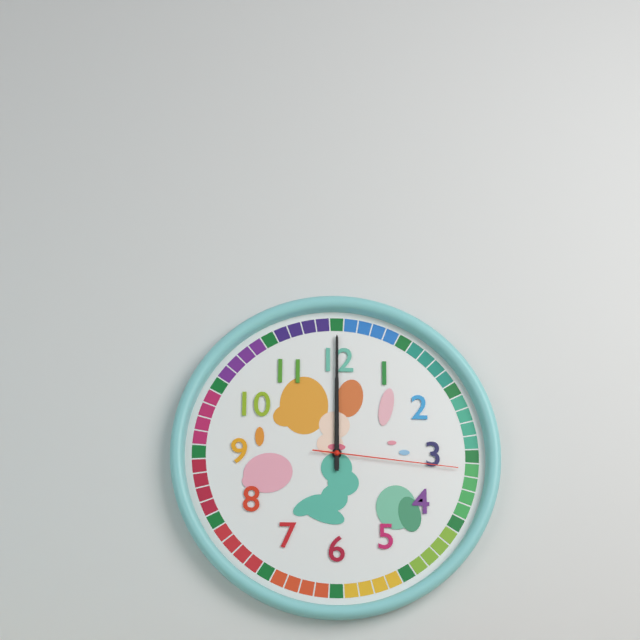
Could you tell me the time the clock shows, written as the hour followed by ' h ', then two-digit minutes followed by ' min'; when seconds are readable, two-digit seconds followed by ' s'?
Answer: 12 h 00 min 16 s
